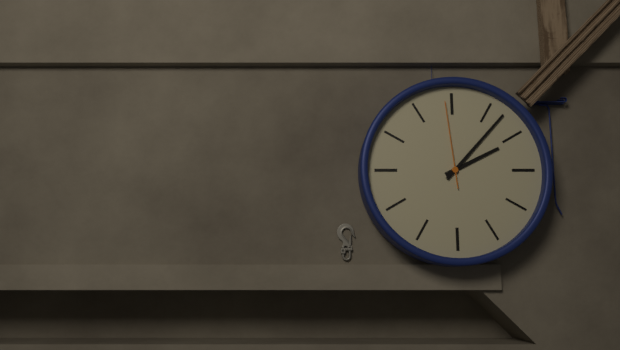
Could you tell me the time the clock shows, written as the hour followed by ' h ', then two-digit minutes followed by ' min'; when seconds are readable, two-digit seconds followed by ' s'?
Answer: 2 h 07 min 59 s
